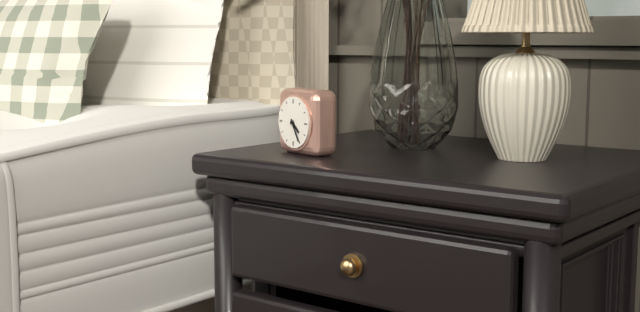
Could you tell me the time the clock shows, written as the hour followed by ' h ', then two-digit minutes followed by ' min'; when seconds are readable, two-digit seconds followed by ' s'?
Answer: 4 h 25 min
